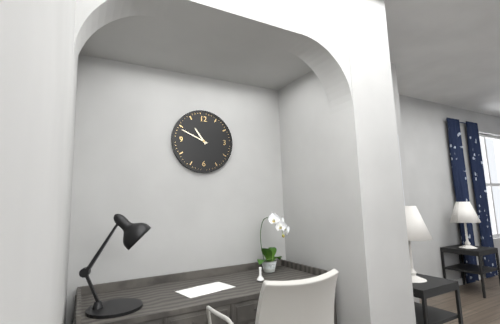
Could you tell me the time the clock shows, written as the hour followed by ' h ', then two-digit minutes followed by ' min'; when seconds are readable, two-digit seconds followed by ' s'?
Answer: 10 h 49 min
